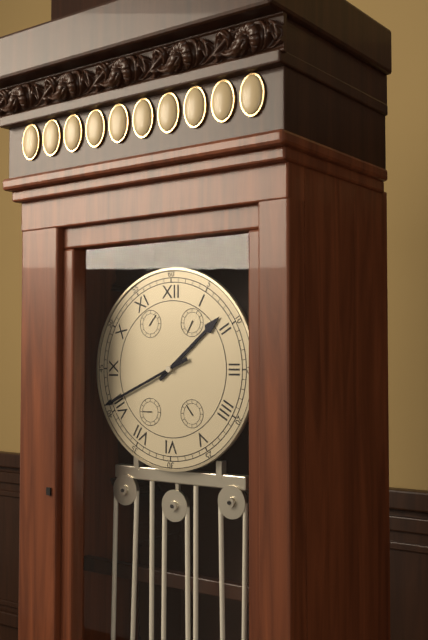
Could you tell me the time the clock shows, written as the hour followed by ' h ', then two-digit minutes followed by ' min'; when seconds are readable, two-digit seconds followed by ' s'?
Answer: 1 h 41 min
